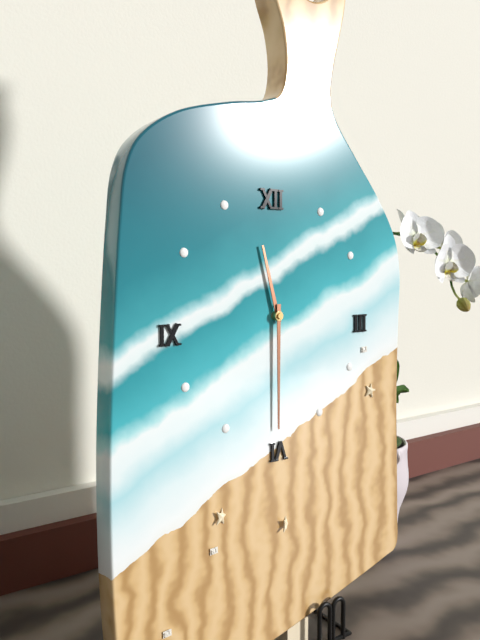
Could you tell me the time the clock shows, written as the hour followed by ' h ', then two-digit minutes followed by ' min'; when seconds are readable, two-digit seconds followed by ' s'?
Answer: 11 h 30 min
